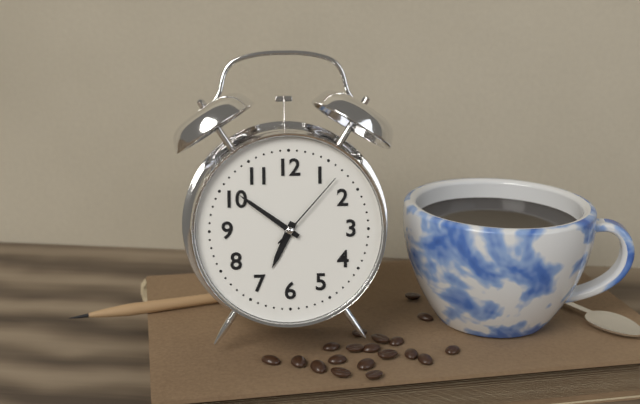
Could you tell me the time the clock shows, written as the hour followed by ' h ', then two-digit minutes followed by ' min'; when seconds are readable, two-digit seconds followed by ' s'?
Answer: 6 h 51 min 07 s
